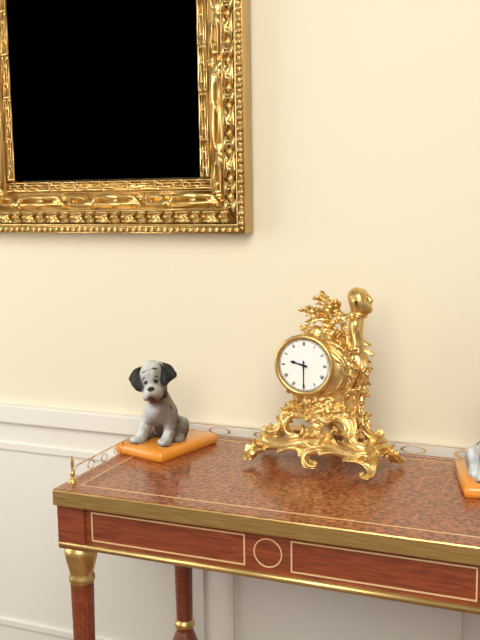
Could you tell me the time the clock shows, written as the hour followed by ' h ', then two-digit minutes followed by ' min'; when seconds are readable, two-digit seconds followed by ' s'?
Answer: 9 h 30 min
